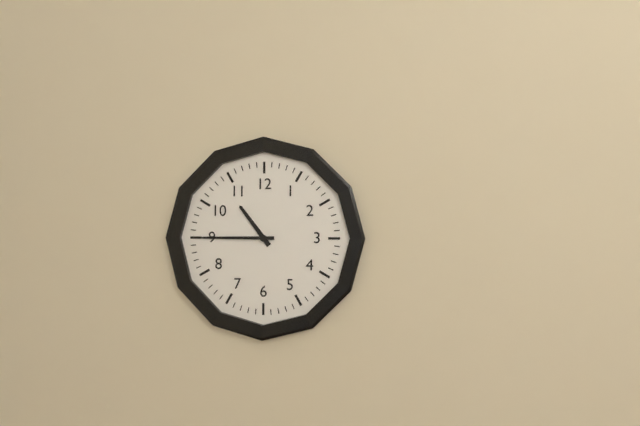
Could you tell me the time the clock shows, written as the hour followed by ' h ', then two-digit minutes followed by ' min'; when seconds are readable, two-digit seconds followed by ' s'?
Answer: 10 h 45 min
